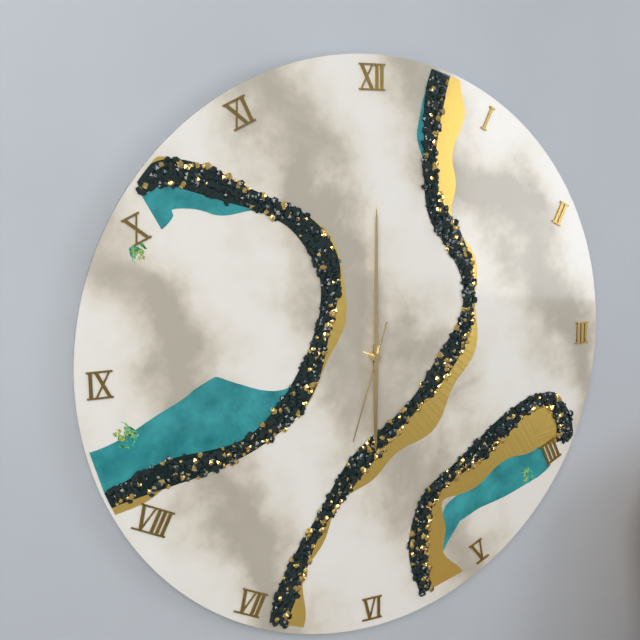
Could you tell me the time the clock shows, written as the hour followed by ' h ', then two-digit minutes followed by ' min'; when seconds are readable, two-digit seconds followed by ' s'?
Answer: 6 h 00 min 33 s
